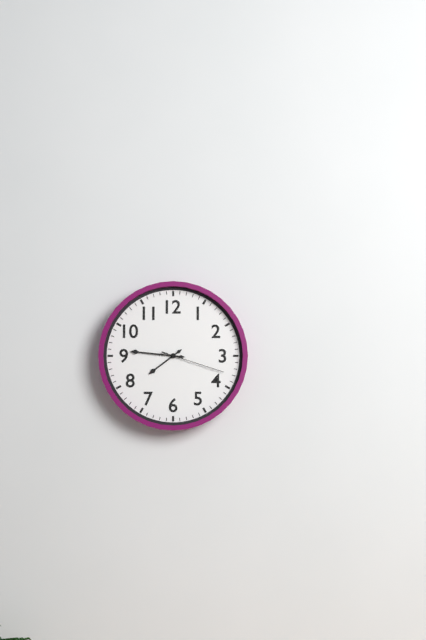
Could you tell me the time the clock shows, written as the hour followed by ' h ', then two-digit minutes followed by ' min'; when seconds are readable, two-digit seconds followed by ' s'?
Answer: 7 h 46 min 18 s
